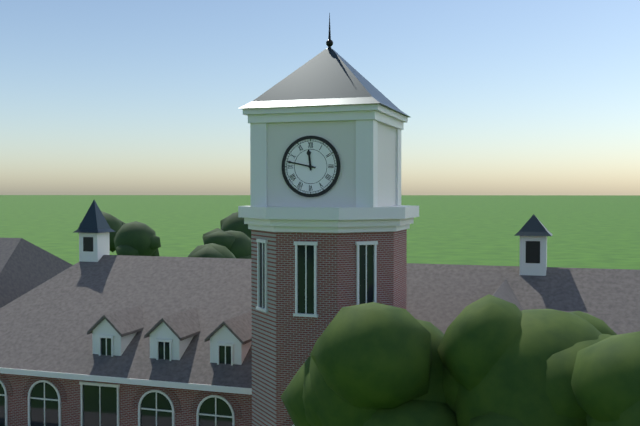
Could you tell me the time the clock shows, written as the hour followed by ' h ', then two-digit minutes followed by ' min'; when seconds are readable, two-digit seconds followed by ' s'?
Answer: 11 h 47 min
